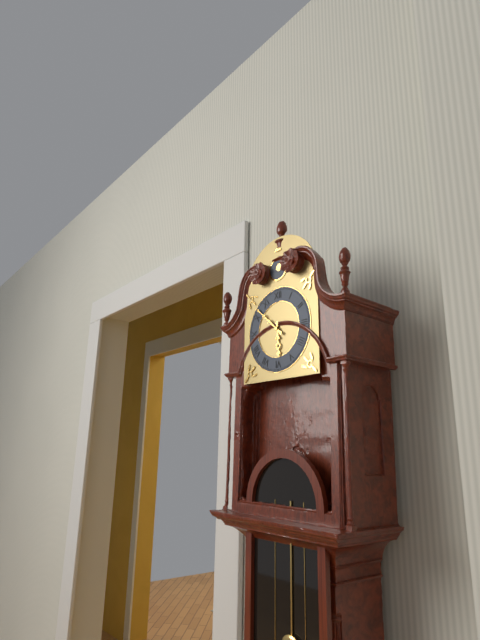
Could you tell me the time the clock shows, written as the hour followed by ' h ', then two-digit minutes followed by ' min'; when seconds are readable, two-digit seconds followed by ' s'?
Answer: 5 h 52 min
